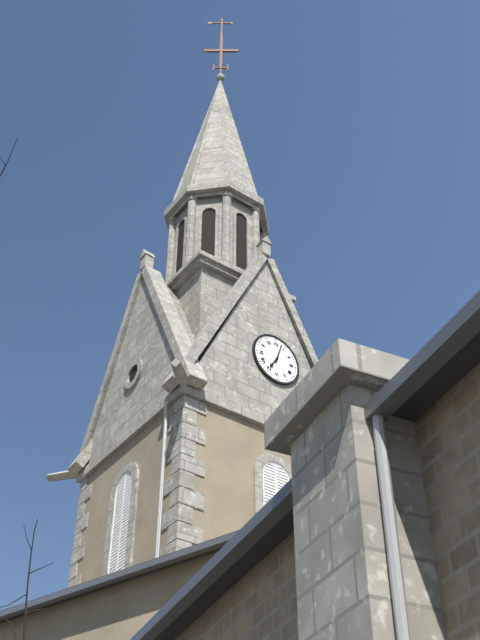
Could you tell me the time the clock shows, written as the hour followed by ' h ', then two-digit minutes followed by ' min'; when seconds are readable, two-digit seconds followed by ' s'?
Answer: 7 h 03 min
